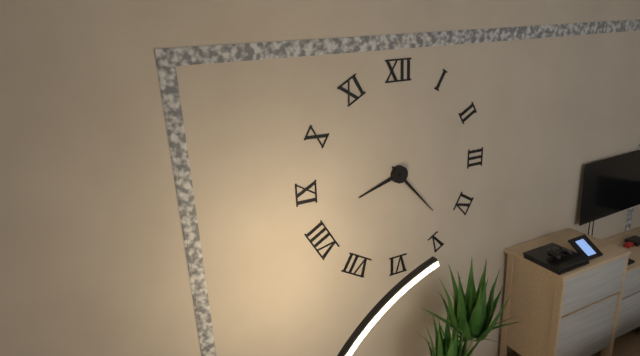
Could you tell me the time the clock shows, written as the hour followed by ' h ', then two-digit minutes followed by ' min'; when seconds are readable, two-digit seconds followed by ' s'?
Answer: 8 h 23 min
